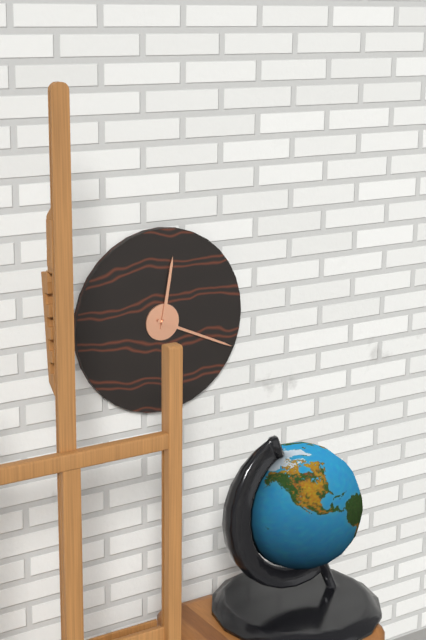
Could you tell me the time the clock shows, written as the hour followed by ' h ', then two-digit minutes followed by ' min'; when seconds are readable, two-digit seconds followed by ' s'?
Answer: 12 h 19 min
